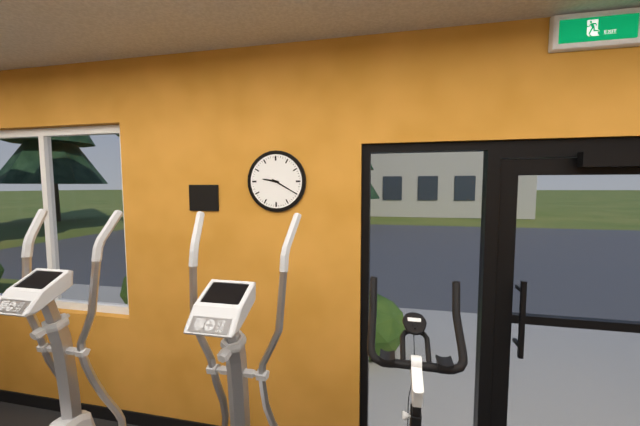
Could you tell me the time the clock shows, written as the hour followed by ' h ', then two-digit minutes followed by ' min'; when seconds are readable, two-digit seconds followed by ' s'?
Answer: 9 h 20 min
